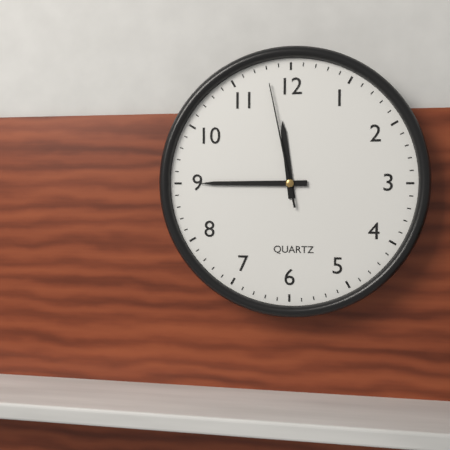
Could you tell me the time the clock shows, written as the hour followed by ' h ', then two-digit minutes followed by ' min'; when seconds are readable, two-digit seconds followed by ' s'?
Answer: 11 h 45 min 58 s
